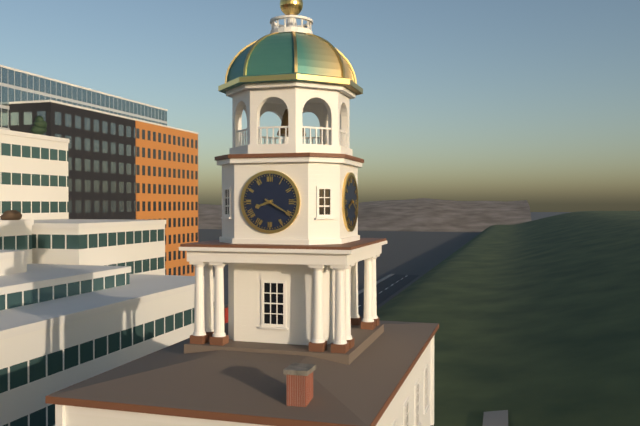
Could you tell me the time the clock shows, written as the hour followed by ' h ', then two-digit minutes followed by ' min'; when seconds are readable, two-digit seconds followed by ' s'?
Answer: 8 h 20 min
